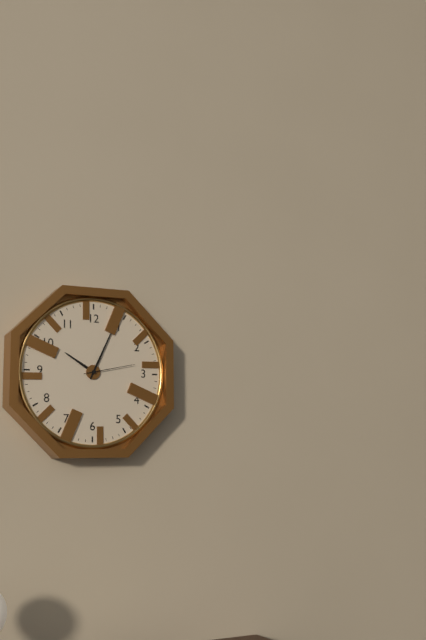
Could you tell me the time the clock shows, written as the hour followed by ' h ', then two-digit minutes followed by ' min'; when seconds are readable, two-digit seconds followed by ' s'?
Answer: 10 h 04 min 13 s
